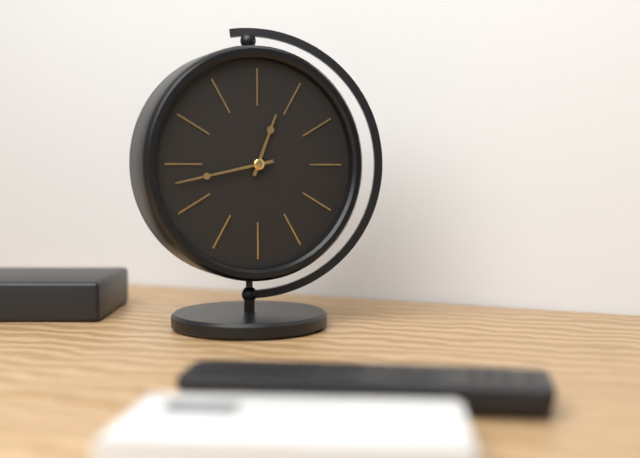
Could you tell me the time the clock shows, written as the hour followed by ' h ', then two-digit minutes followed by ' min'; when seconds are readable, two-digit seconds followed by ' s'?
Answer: 12 h 43 min
